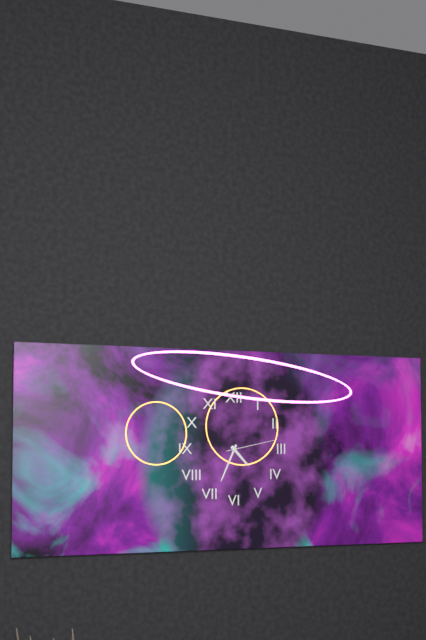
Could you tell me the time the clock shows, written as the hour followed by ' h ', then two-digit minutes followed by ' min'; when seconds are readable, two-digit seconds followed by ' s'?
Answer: 4 h 34 min 13 s
